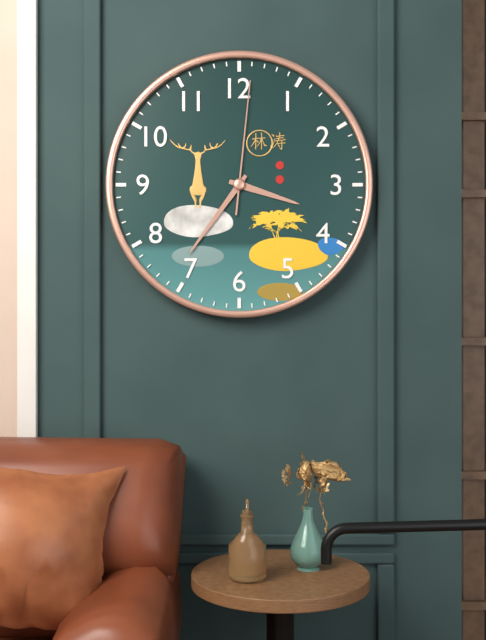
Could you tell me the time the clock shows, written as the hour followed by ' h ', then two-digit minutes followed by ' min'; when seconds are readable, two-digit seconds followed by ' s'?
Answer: 3 h 36 min 01 s
